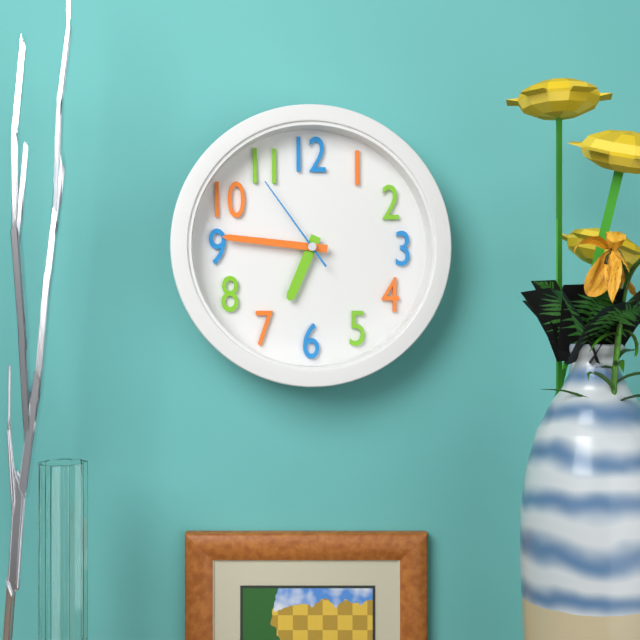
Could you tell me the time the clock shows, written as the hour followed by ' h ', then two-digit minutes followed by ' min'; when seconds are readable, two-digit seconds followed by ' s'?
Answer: 6 h 46 min 54 s
